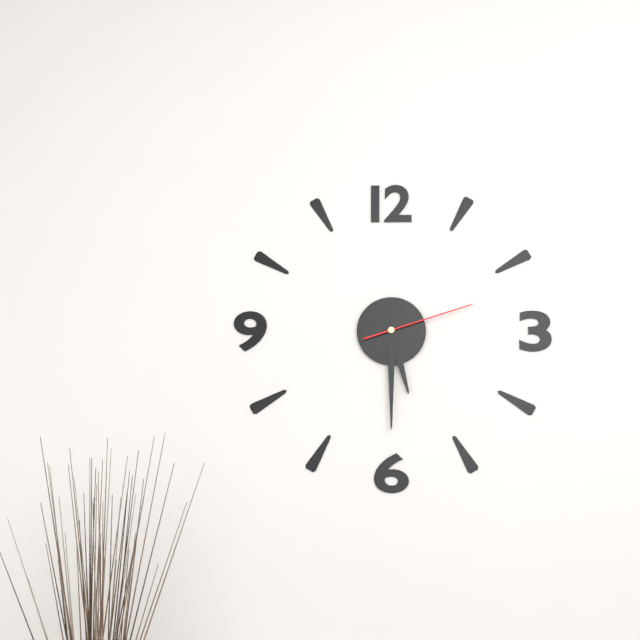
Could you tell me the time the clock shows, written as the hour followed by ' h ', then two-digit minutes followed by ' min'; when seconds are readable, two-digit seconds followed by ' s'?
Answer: 5 h 30 min 12 s
